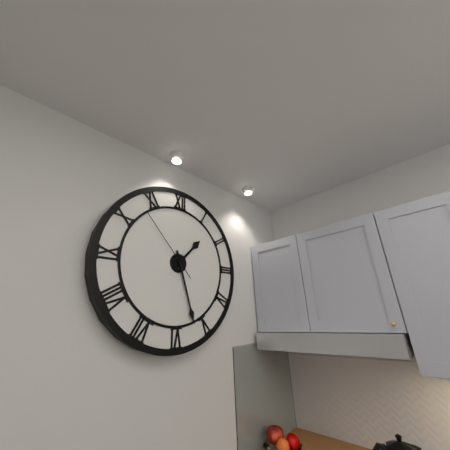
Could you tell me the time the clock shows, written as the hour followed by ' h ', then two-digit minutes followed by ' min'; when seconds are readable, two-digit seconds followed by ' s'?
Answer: 1 h 27 min 53 s
